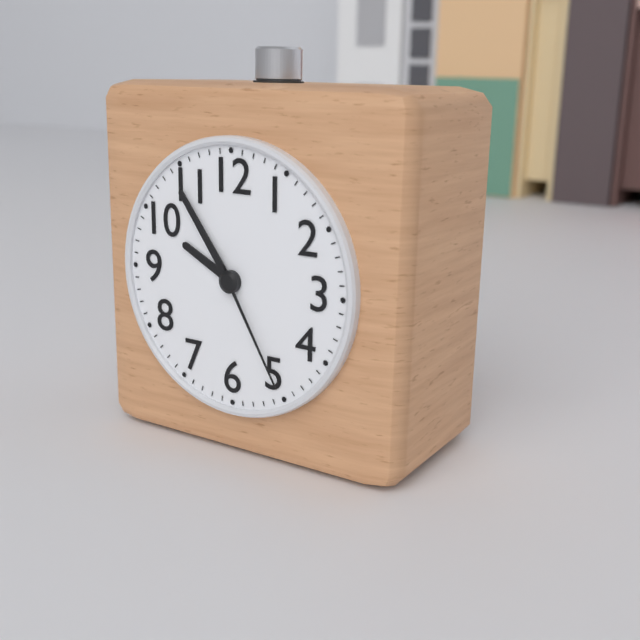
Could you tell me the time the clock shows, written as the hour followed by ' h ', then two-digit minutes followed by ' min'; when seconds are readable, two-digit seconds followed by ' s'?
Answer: 9 h 54 min 25 s
